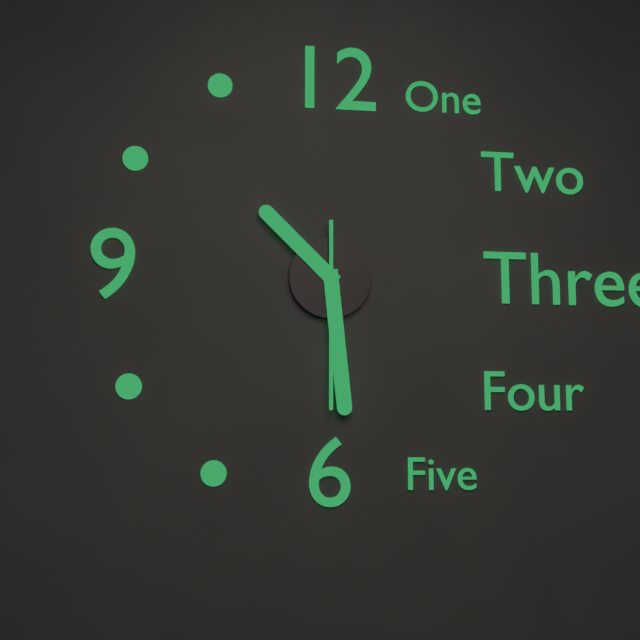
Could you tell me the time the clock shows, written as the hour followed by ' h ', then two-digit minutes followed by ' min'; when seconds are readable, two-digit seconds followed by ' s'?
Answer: 10 h 29 min 30 s
